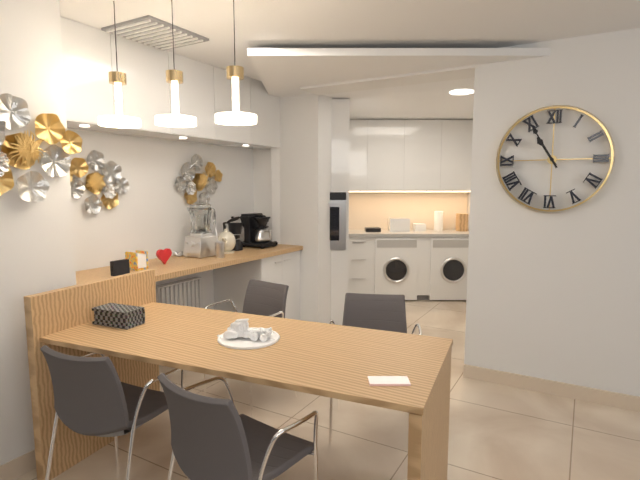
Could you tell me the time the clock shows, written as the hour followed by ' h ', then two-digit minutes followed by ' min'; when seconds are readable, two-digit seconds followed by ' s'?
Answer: 10 h 55 min
